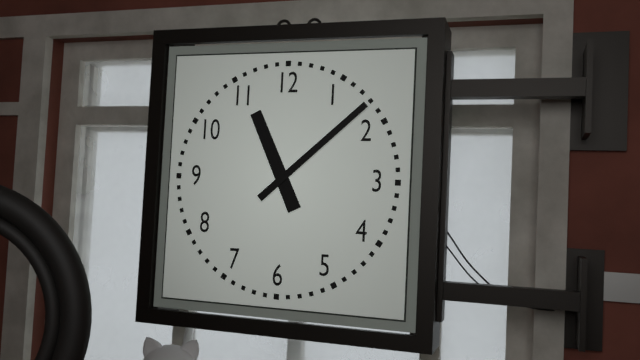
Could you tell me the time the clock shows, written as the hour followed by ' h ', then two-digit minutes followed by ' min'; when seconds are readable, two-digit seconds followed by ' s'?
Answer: 11 h 08 min
